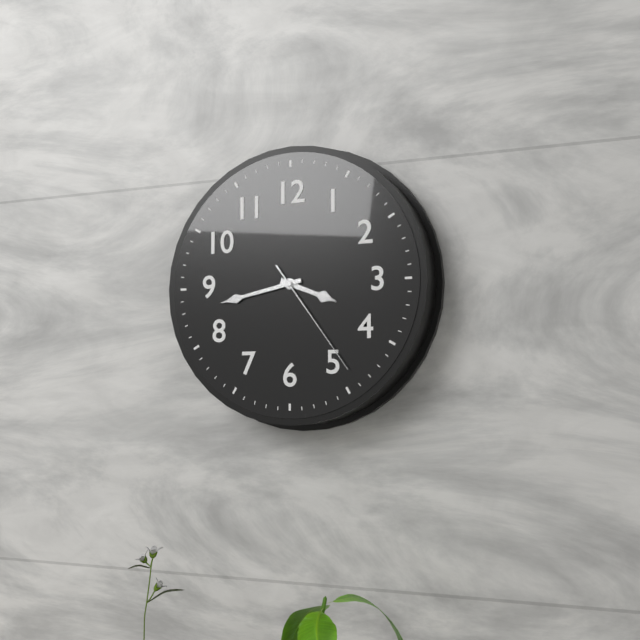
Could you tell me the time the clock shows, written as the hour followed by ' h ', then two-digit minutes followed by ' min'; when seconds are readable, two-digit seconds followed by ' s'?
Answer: 3 h 43 min 24 s
